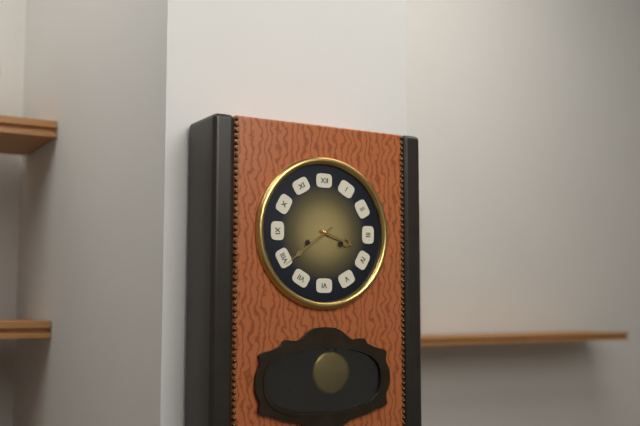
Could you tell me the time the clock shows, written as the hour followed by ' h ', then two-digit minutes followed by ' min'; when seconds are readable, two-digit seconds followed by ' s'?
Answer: 3 h 39 min
